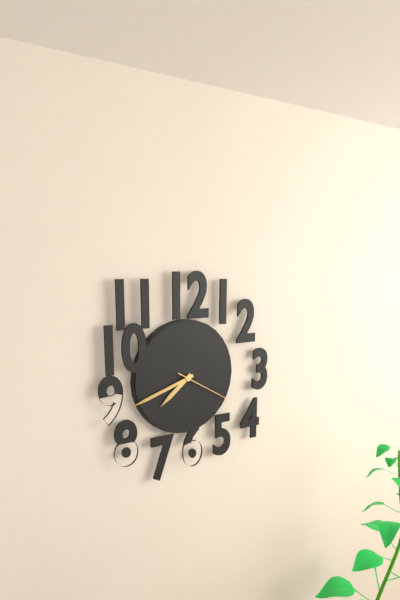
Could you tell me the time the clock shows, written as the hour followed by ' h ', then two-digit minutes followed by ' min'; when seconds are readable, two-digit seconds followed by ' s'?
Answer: 7 h 42 min 20 s
